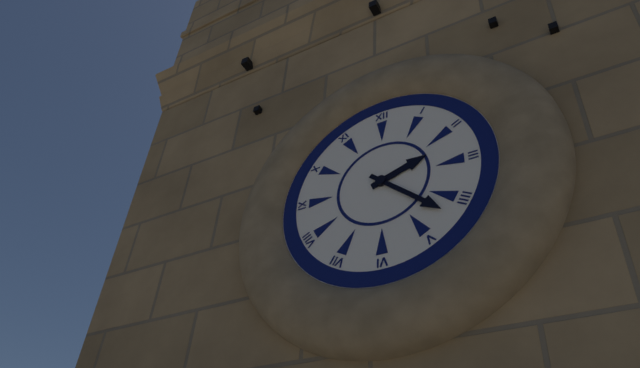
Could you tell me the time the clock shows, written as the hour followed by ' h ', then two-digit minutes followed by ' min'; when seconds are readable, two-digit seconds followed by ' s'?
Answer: 2 h 22 min
